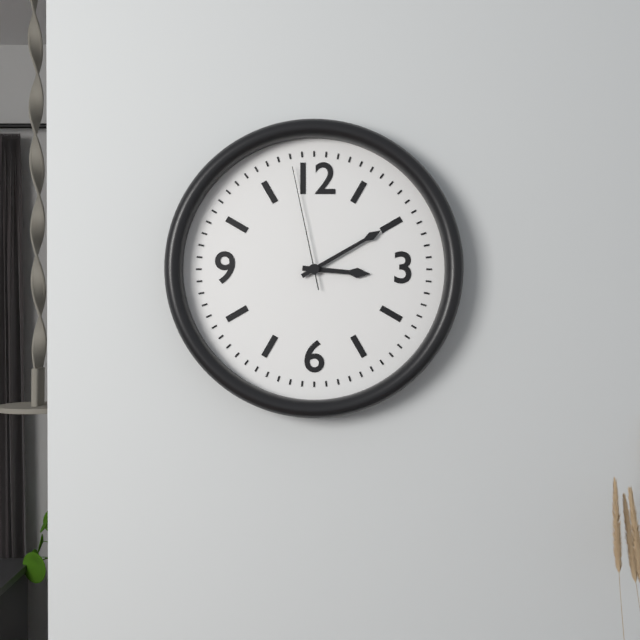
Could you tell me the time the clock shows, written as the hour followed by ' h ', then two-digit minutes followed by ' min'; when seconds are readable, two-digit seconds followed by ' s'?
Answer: 3 h 10 min 58 s
